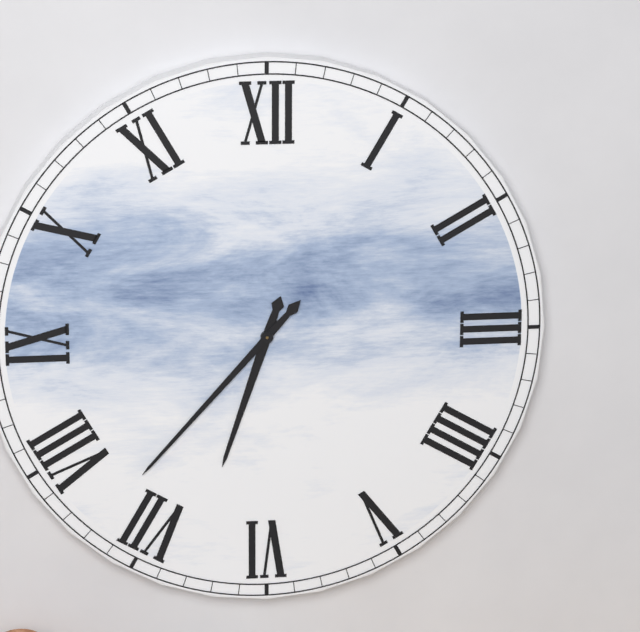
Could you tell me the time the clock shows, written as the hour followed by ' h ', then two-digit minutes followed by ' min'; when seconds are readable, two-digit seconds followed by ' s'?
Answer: 6 h 37 min
